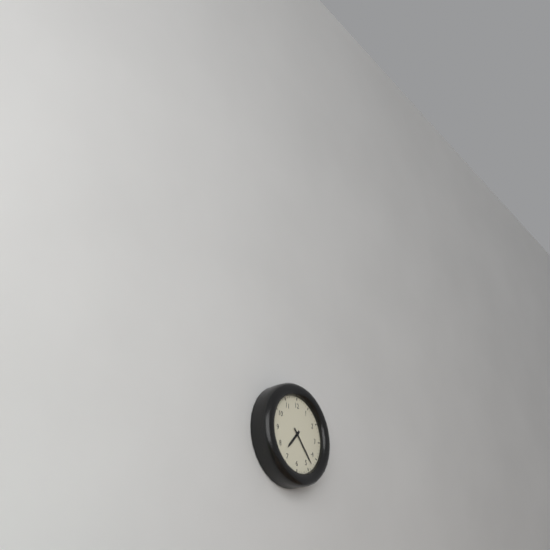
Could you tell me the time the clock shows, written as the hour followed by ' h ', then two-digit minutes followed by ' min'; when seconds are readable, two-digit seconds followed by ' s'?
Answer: 7 h 23 min
